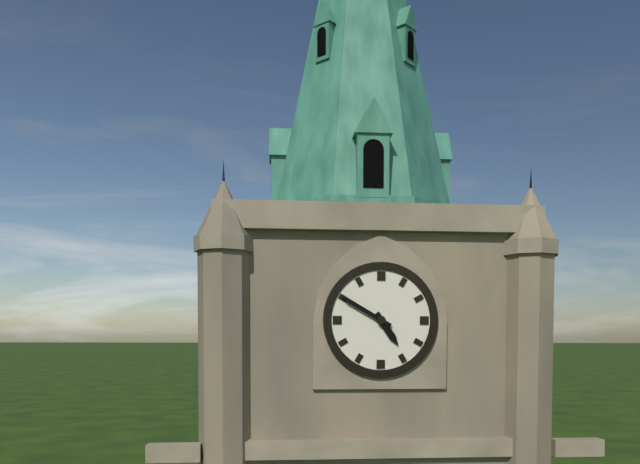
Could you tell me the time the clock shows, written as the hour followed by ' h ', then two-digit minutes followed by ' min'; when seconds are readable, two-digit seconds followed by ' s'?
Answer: 4 h 50 min
